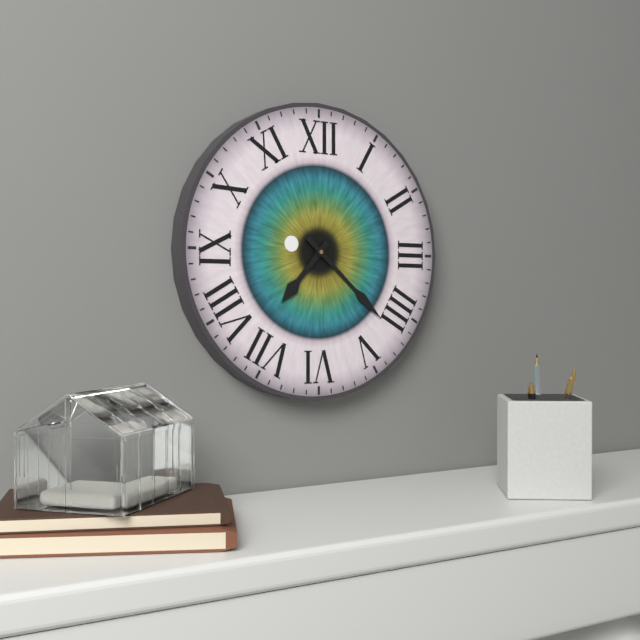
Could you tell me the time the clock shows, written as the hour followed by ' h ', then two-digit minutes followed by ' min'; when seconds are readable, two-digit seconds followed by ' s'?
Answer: 7 h 22 min
